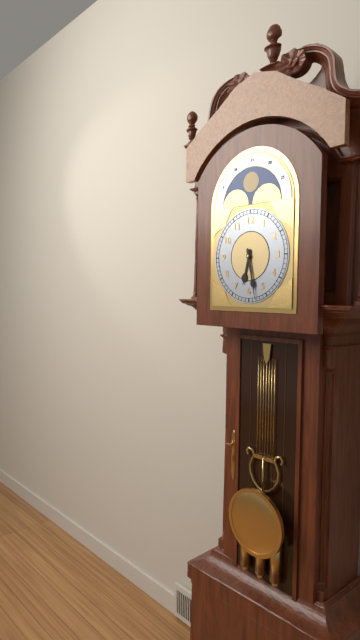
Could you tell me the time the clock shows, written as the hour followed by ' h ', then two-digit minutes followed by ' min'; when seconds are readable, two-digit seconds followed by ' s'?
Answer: 6 h 28 min
